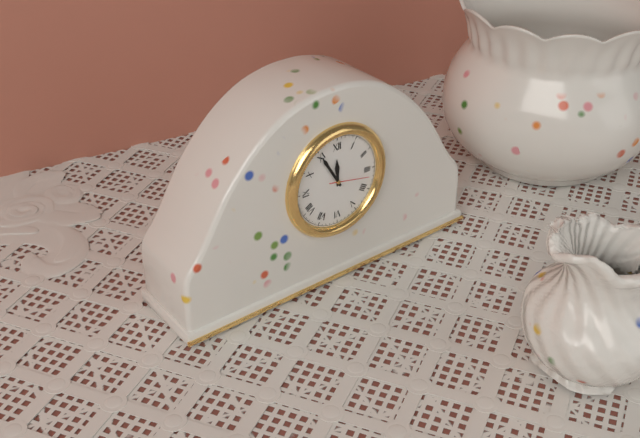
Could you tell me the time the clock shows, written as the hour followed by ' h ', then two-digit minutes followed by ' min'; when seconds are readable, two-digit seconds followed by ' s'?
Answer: 11 h 55 min
